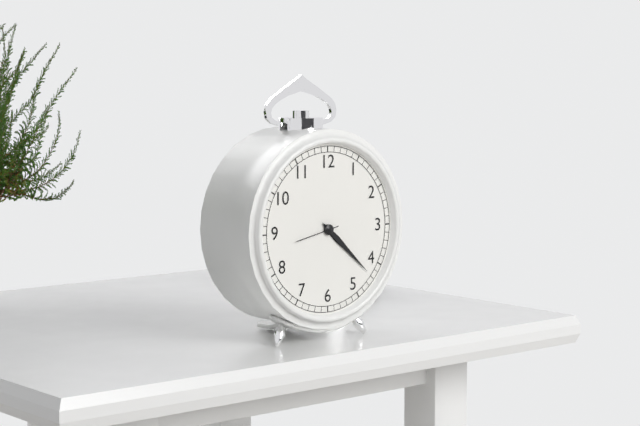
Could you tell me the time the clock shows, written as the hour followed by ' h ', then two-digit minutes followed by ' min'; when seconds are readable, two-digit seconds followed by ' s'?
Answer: 4 h 22 min
